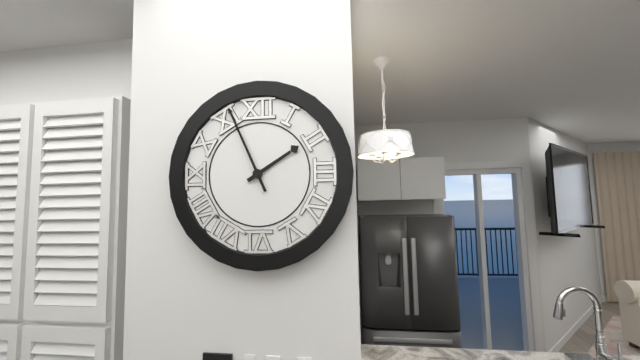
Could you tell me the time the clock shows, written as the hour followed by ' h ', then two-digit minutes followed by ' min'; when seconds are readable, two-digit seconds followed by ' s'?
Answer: 1 h 56 min
